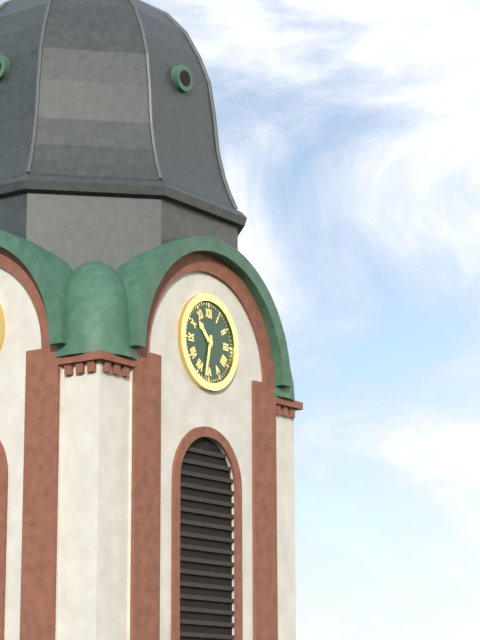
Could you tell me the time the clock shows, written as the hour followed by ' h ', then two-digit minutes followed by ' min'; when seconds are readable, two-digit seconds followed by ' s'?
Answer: 10 h 32 min
